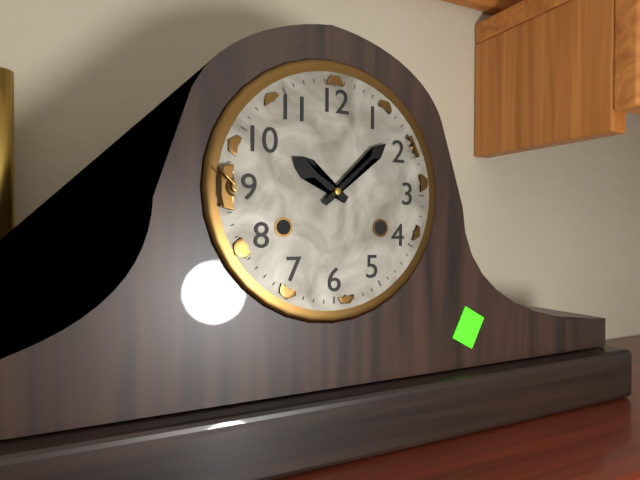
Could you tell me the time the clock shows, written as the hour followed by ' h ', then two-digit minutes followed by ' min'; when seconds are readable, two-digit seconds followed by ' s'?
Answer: 10 h 08 min
